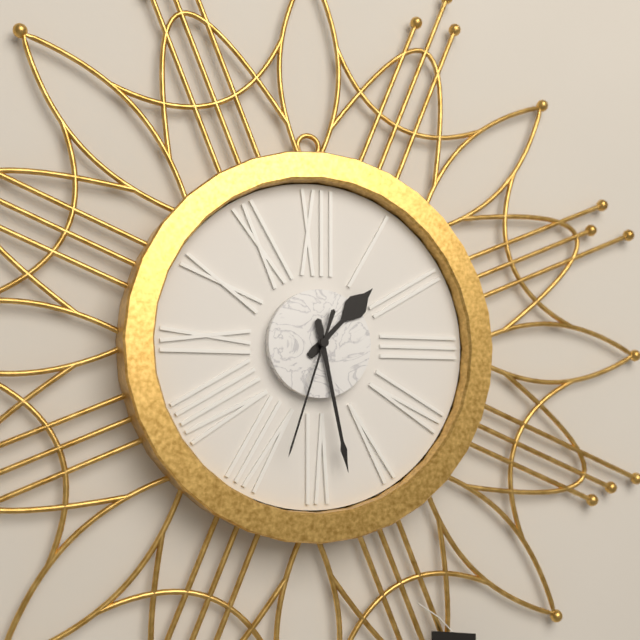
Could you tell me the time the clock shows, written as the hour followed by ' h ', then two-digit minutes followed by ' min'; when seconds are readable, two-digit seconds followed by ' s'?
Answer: 1 h 28 min 33 s
